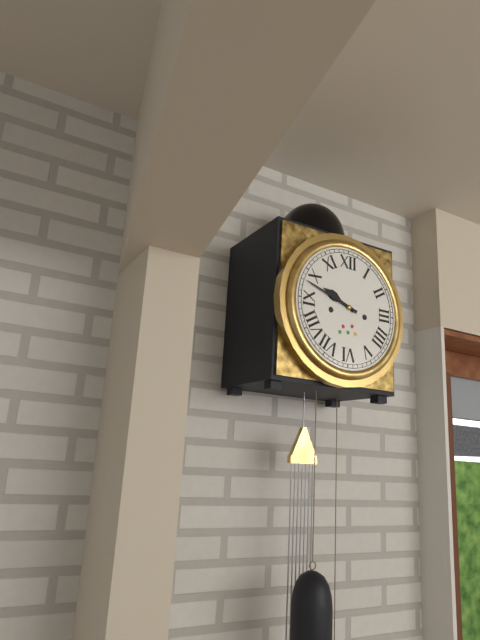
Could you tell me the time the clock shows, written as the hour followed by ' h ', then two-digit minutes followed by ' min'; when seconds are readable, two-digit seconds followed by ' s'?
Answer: 9 h 48 min
